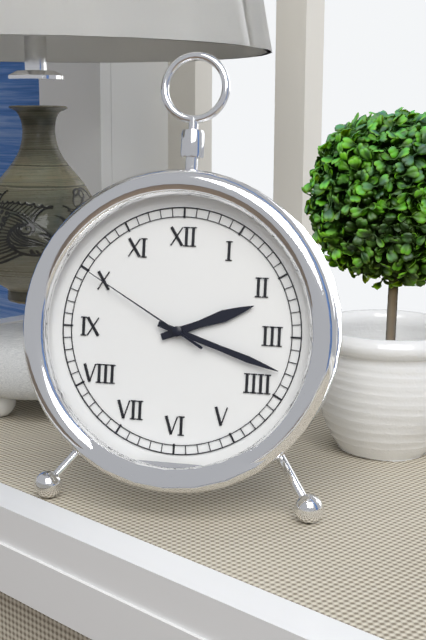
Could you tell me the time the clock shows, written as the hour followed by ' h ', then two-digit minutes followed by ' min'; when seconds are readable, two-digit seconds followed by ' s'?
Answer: 2 h 18 min 50 s
